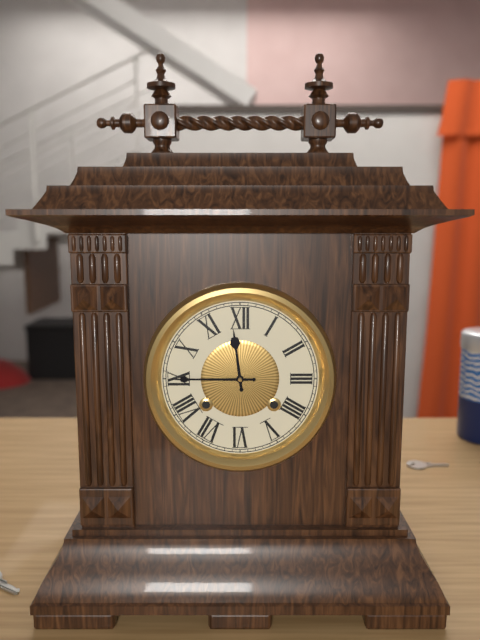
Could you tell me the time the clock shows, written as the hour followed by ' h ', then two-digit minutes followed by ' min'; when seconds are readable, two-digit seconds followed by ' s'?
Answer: 11 h 45 min
